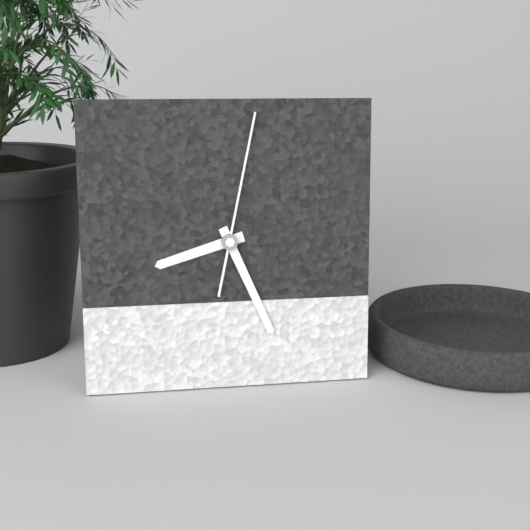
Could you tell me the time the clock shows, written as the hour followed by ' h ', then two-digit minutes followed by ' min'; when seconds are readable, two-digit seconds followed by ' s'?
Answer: 8 h 26 min 02 s
